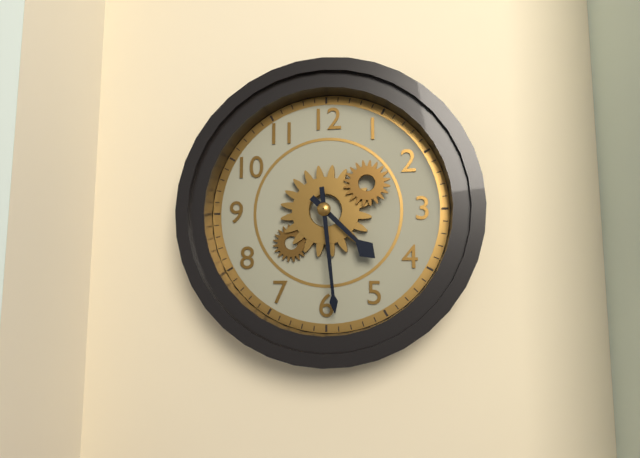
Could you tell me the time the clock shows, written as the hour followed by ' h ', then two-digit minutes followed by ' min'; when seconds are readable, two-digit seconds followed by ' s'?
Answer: 4 h 29 min
